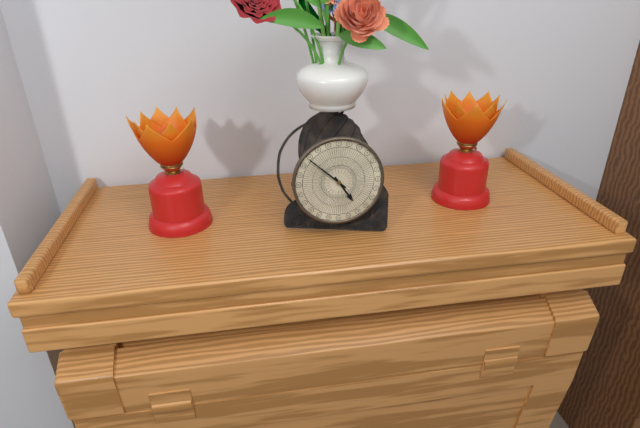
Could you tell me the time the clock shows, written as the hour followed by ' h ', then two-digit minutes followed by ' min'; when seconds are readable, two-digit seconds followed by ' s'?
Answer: 4 h 52 min
